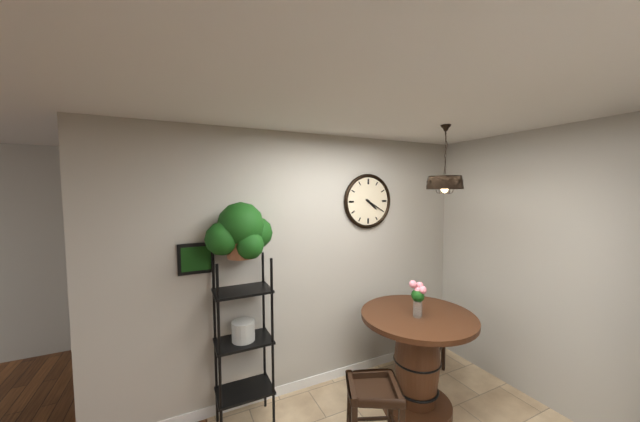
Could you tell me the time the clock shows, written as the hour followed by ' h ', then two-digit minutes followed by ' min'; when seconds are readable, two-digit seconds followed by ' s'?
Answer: 4 h 20 min
